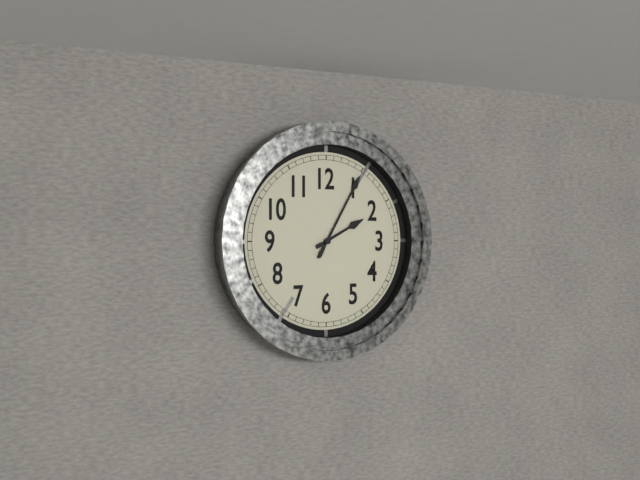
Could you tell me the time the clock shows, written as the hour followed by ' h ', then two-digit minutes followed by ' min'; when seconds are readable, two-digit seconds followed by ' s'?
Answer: 2 h 05 min
